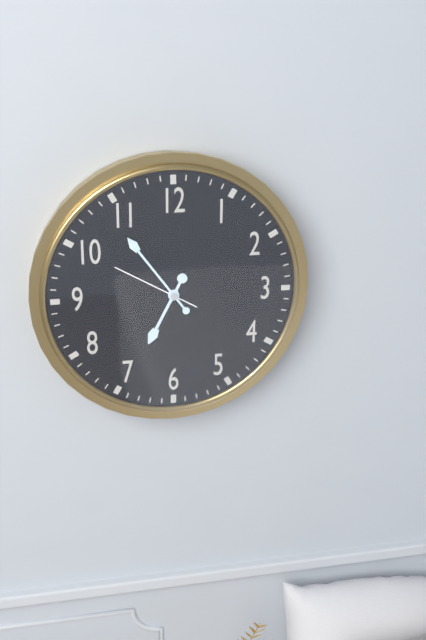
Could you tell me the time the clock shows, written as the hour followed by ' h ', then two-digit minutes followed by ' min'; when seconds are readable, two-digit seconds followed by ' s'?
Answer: 6 h 54 min 50 s
